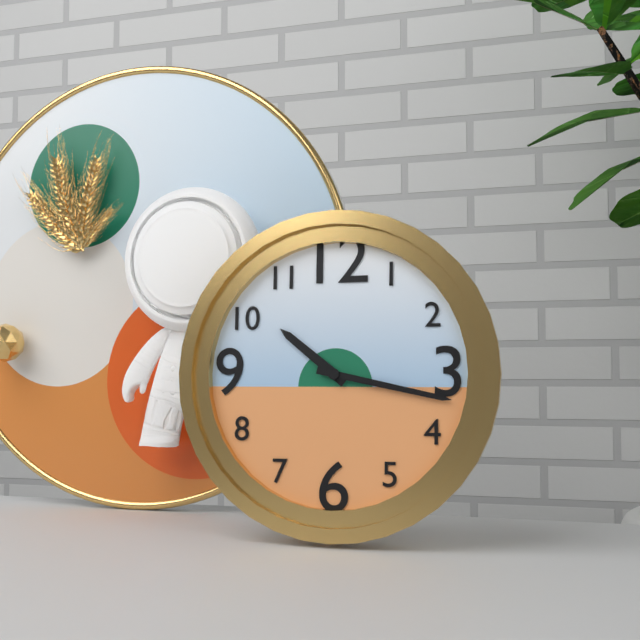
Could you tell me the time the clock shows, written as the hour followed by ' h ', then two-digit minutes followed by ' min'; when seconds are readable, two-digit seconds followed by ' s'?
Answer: 10 h 17 min
